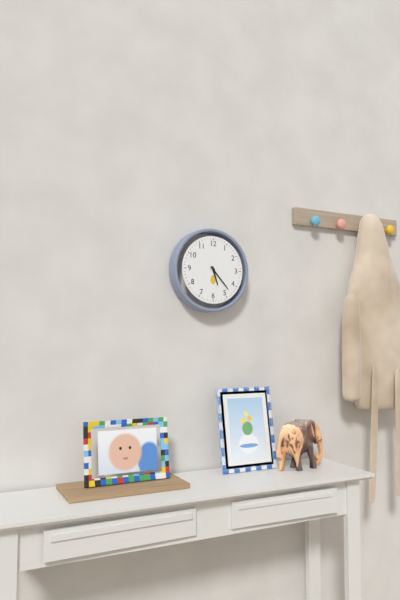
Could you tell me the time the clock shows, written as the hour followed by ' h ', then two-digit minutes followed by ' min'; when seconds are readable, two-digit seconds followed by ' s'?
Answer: 5 h 23 min
